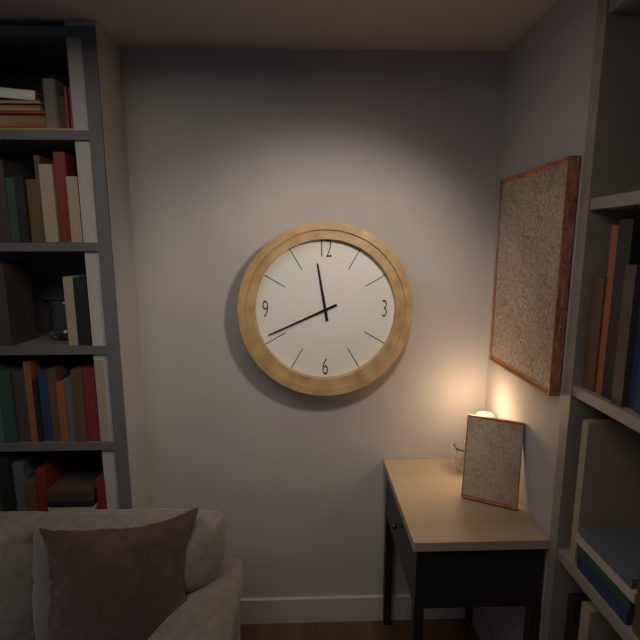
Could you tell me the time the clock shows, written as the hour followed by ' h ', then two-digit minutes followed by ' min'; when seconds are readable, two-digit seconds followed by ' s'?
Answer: 11 h 41 min
